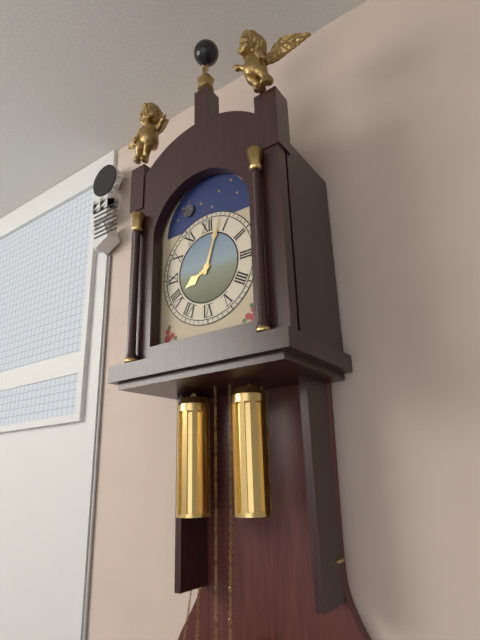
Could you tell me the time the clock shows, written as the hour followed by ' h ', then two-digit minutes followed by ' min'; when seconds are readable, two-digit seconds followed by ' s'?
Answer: 8 h 03 min
